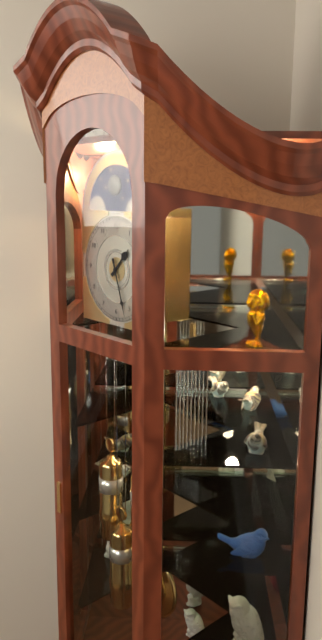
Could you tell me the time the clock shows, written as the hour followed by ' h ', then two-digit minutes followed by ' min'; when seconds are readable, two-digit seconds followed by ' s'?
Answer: 1 h 27 min
